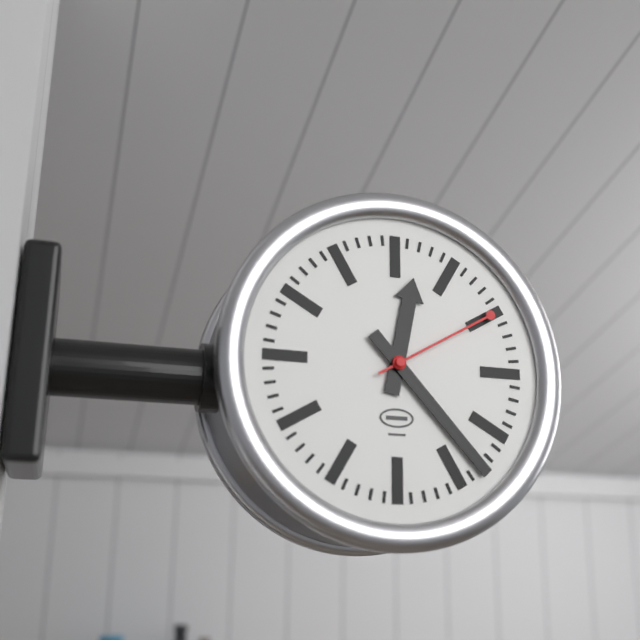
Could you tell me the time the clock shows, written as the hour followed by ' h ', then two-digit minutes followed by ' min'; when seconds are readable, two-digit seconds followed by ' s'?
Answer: 12 h 23 min 10 s
